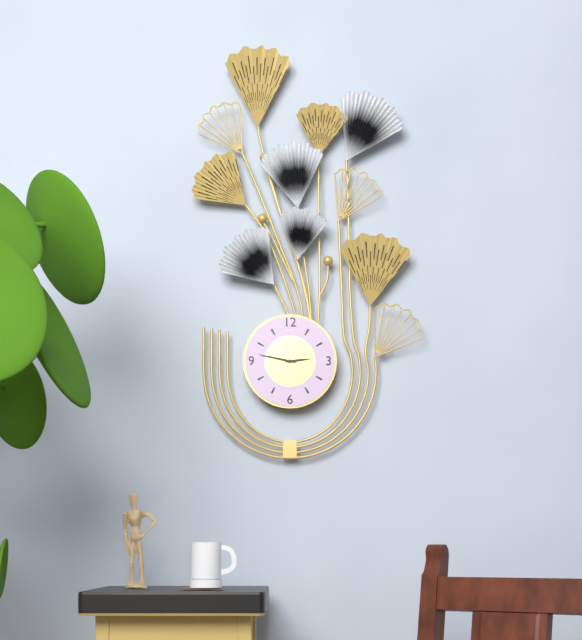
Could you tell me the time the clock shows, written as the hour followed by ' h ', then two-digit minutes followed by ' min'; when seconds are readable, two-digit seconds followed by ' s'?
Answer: 2 h 47 min
